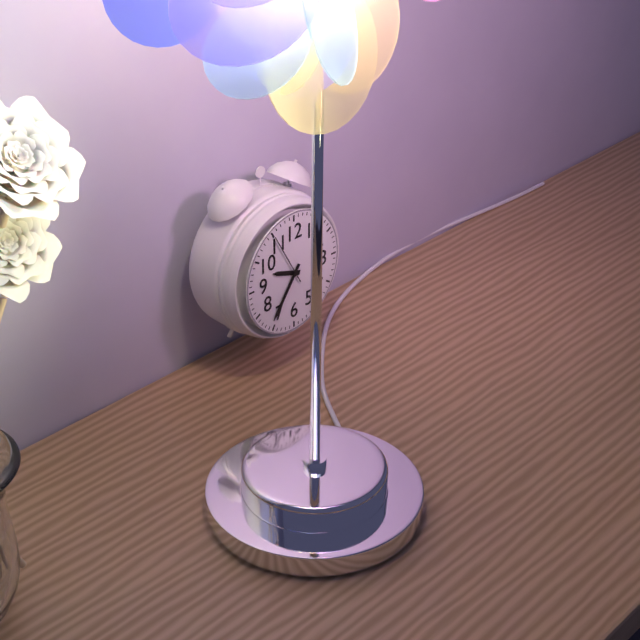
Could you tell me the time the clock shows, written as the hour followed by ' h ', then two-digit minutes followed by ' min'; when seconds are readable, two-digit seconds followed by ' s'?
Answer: 9 h 36 min 55 s
